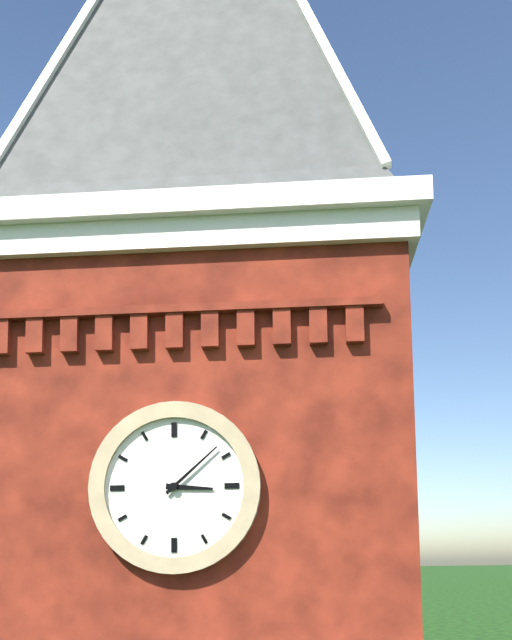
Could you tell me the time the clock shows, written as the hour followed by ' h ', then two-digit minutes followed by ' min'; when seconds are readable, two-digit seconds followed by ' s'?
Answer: 3 h 08 min
